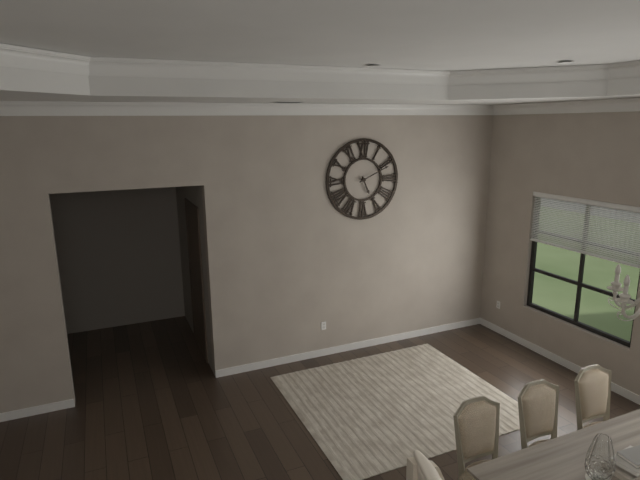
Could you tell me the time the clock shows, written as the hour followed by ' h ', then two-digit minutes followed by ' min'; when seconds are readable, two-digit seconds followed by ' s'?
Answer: 5 h 11 min
